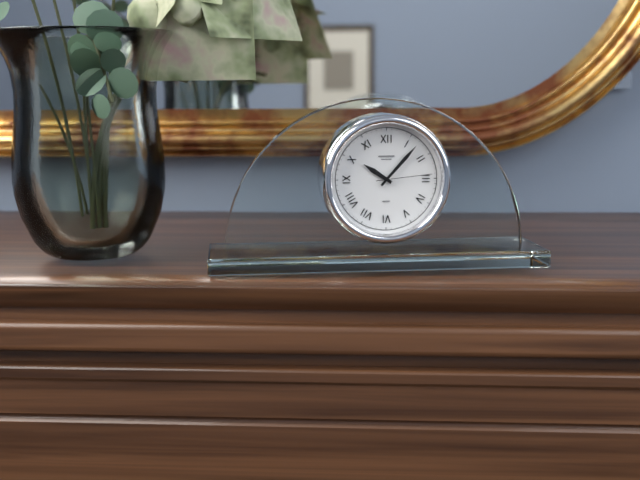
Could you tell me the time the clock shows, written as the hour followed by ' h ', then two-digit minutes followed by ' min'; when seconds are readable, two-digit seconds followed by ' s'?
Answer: 10 h 07 min 14 s
